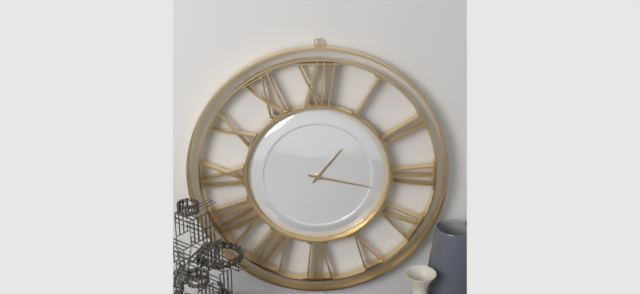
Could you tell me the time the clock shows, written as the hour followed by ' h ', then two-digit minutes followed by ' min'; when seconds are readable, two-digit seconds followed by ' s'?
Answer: 1 h 17 min
